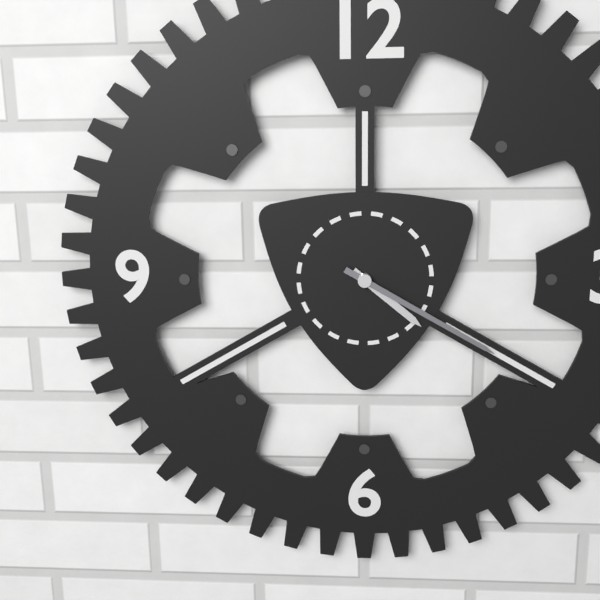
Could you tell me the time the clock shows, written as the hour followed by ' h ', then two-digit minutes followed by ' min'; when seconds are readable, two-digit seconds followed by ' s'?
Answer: 4 h 20 min
